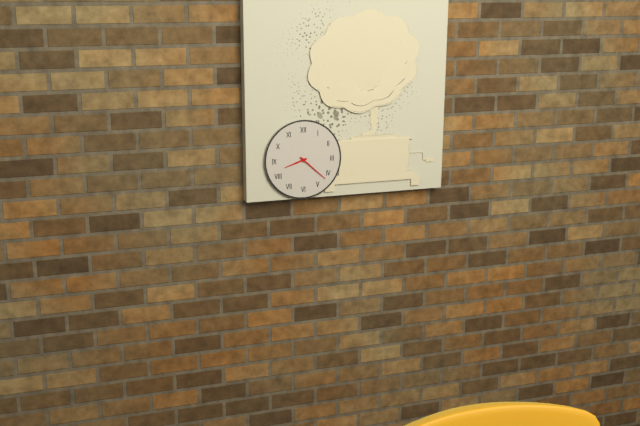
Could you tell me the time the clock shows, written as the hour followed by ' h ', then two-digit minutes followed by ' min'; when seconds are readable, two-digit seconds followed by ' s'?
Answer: 8 h 22 min
